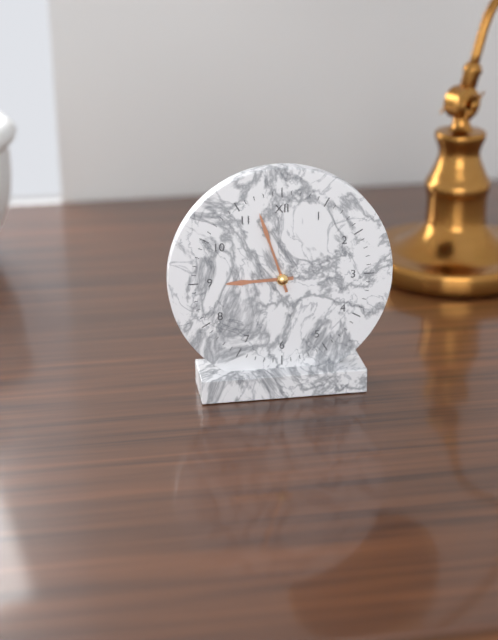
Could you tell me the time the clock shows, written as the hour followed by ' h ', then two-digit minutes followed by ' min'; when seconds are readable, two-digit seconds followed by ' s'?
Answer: 8 h 57 min
